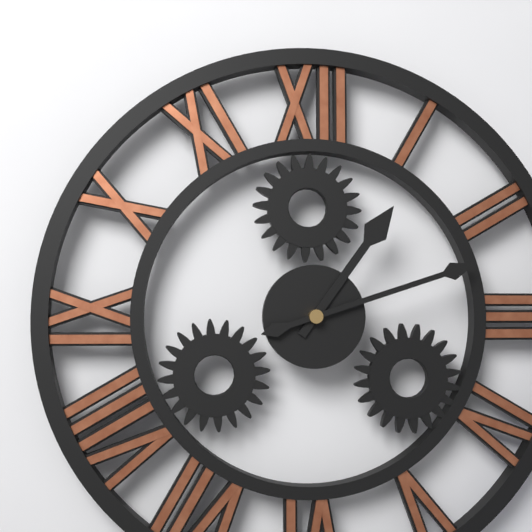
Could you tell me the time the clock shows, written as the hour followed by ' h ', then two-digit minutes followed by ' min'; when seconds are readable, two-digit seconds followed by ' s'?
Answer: 1 h 12 min
